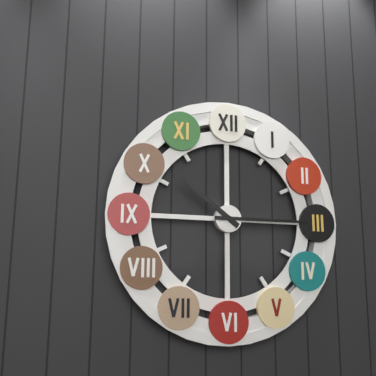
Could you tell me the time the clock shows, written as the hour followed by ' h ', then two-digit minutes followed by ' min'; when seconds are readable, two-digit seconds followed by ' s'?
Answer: 10 h 15 min
